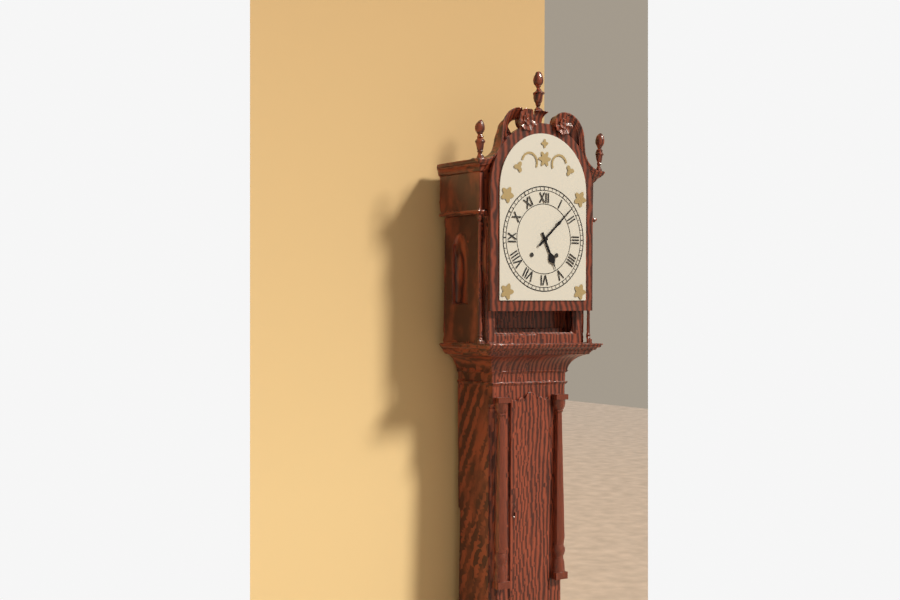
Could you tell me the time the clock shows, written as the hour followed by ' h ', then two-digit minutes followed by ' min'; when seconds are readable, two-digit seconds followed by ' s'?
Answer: 5 h 08 min
